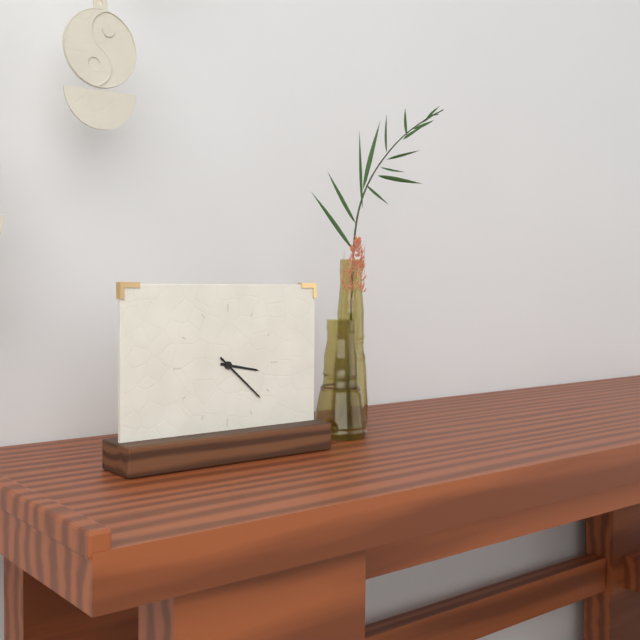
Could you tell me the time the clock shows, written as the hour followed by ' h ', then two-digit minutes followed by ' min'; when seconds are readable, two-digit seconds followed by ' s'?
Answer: 3 h 22 min
